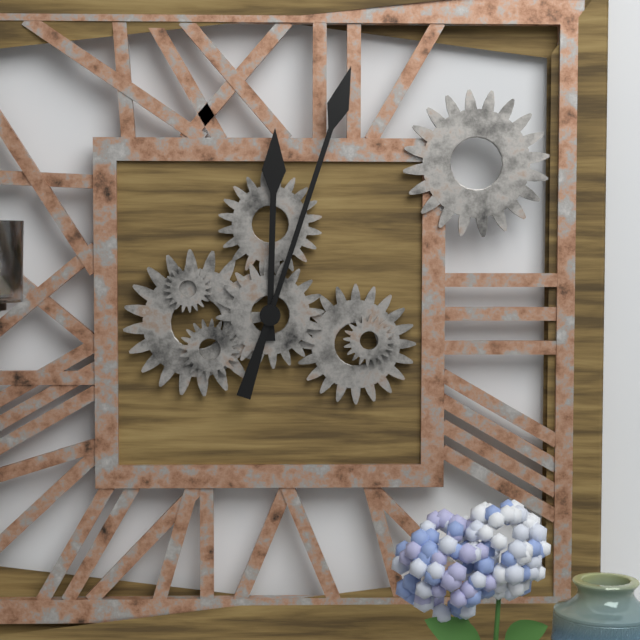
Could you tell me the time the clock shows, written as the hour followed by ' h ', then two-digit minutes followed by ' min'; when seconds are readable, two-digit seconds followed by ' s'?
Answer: 12 h 03 min
